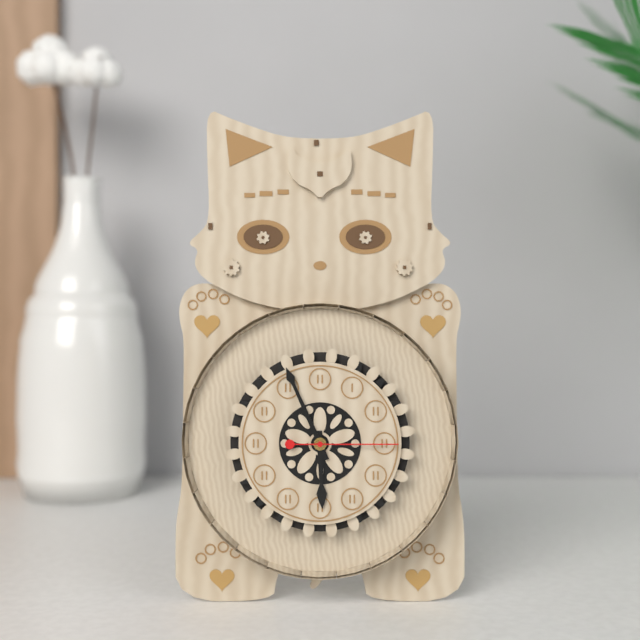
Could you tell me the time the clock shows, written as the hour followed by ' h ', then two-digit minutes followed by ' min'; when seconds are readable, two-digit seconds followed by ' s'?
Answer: 5 h 56 min 15 s
